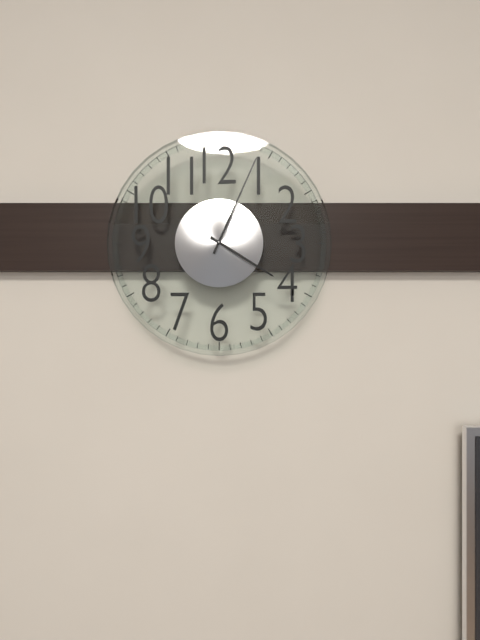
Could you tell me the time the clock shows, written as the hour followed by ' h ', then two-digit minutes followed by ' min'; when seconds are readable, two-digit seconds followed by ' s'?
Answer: 4 h 04 min
